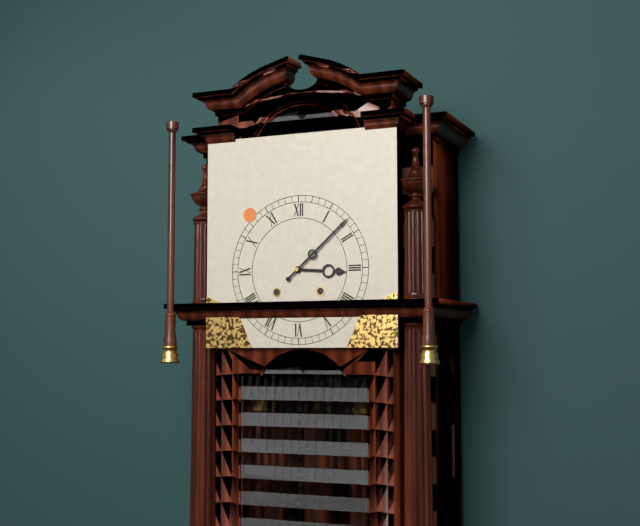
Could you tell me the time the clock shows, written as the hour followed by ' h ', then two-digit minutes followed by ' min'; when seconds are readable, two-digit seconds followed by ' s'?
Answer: 3 h 08 min
